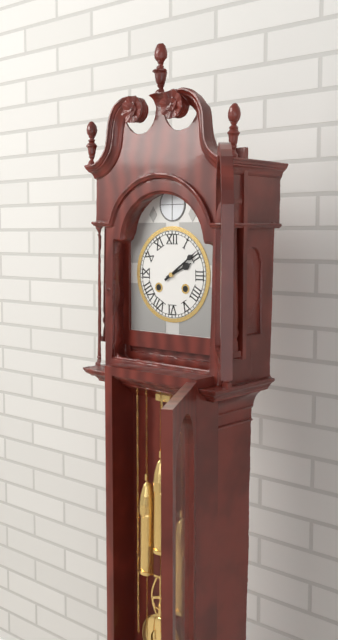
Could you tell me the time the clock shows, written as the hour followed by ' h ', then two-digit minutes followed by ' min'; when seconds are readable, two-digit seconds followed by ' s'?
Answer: 2 h 09 min
